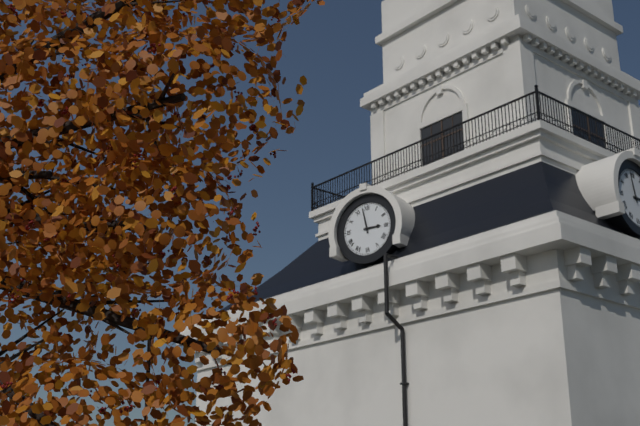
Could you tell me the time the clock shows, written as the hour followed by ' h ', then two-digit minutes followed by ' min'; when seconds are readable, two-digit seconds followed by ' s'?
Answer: 2 h 58 min
